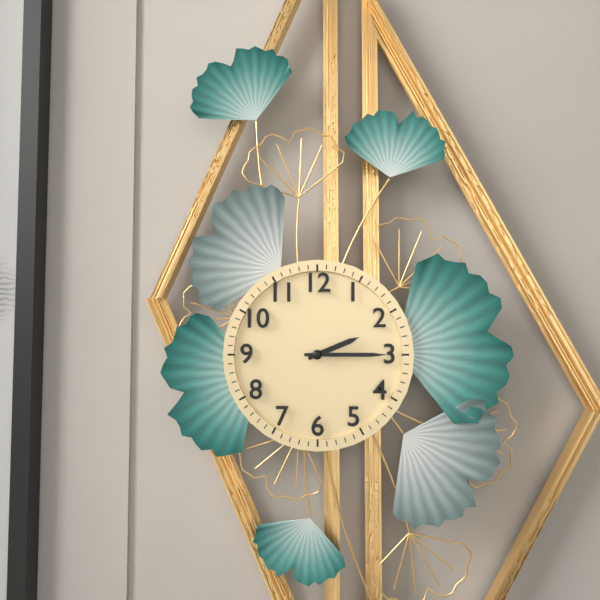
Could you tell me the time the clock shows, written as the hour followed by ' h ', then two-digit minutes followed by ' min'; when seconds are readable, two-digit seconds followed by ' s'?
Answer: 2 h 15 min
